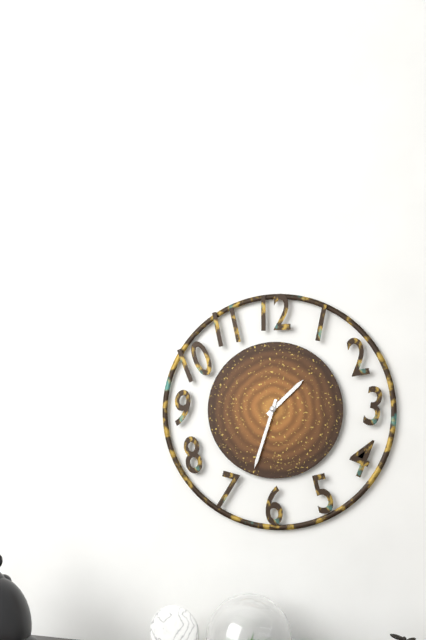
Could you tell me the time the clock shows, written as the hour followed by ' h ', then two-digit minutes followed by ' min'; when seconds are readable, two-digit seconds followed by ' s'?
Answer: 1 h 33 min
